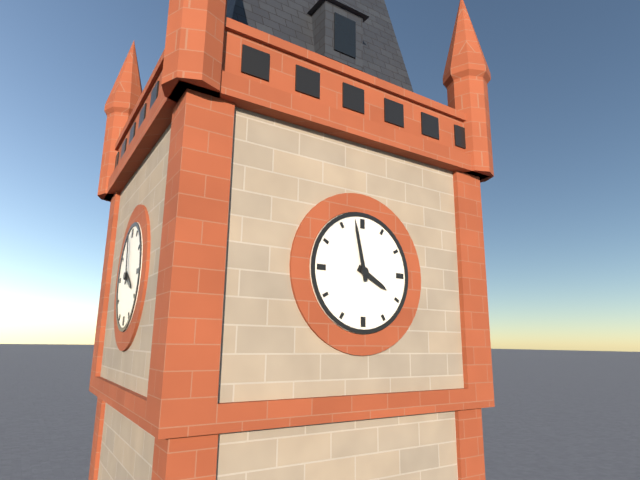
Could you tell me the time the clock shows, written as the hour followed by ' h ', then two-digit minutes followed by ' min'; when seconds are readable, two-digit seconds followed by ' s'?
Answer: 3 h 58 min
